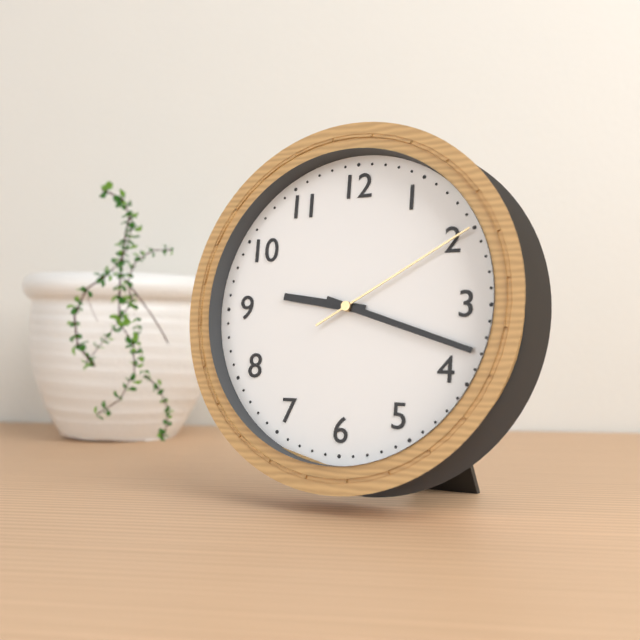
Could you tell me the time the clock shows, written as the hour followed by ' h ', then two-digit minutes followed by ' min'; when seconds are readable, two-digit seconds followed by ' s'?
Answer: 9 h 18 min 10 s
